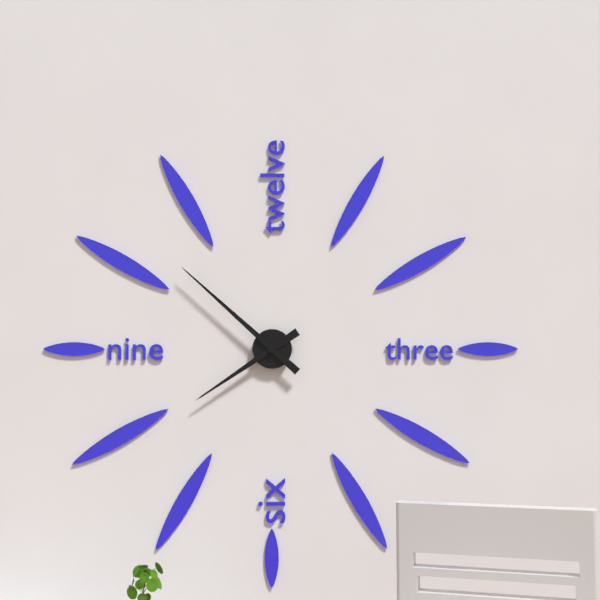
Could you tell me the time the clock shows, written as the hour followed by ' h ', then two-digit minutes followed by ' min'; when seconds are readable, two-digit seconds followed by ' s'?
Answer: 7 h 52 min
